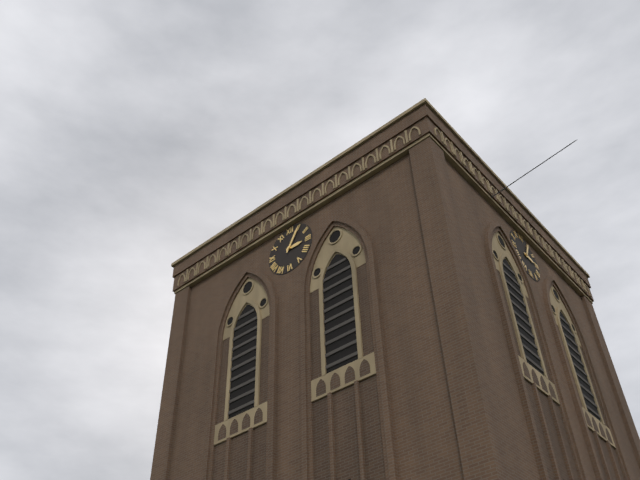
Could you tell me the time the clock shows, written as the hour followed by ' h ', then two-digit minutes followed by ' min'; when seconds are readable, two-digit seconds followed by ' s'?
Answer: 3 h 05 min
